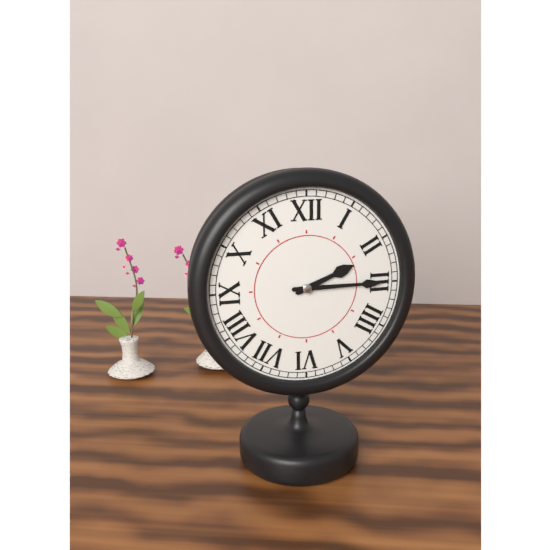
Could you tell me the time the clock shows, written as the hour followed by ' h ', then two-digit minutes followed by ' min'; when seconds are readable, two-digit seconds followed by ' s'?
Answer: 2 h 15 min
